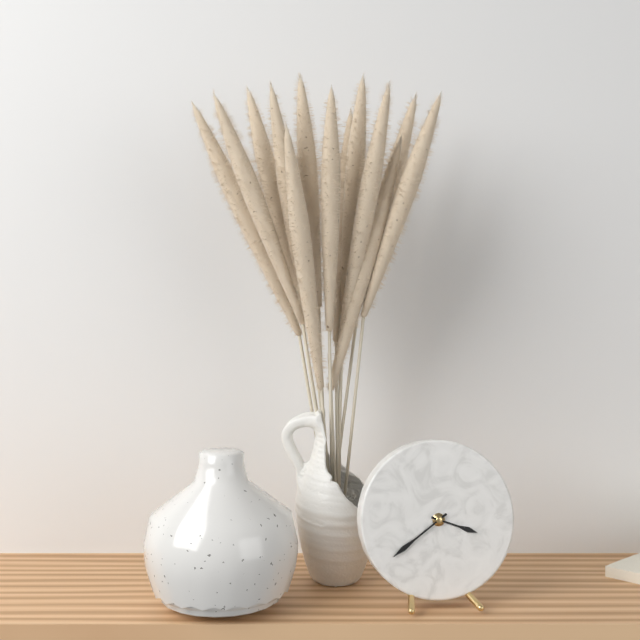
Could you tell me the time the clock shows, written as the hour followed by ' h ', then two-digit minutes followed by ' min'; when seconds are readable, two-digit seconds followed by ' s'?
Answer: 3 h 39 min
